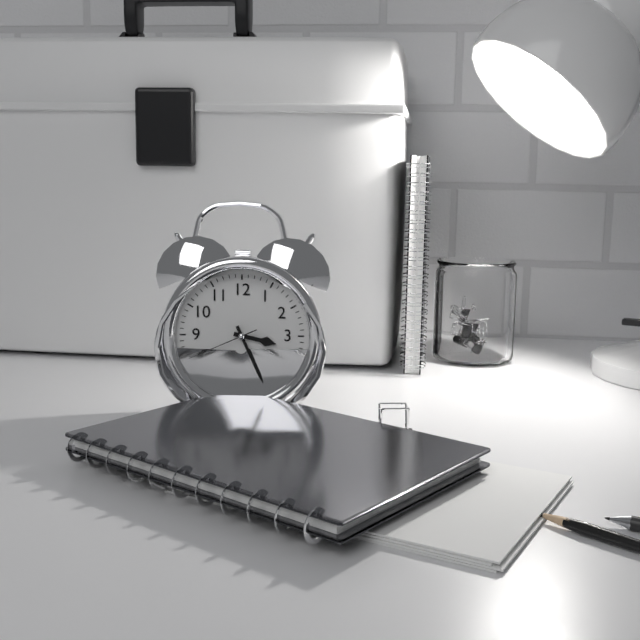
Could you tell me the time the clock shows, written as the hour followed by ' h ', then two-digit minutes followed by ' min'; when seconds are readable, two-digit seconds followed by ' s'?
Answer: 3 h 26 min 41 s
